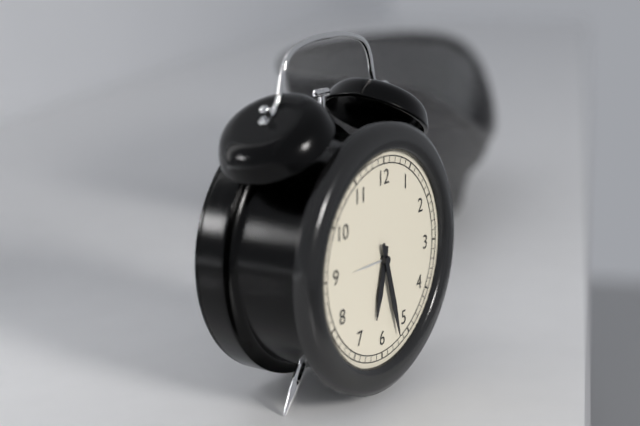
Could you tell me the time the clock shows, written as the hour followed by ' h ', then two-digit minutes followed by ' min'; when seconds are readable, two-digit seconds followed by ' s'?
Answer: 6 h 27 min
